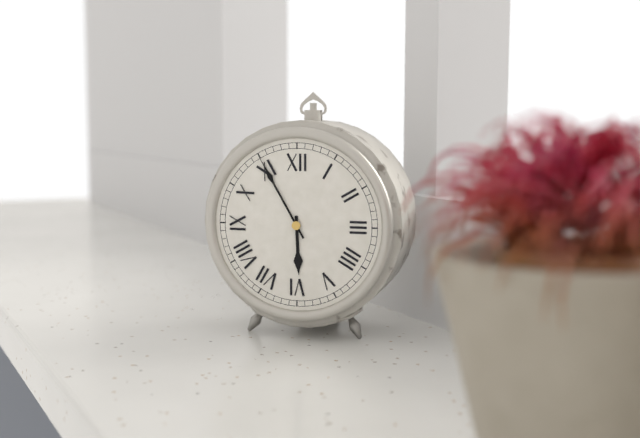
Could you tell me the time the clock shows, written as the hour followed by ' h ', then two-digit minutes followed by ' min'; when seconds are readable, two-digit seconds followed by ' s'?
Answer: 5 h 55 min
